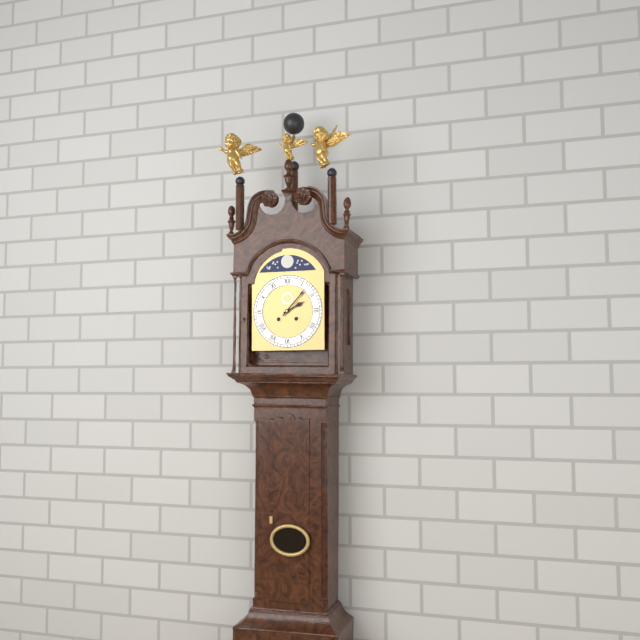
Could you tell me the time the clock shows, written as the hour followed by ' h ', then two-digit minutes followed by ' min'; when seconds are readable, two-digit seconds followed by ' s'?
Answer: 2 h 07 min
